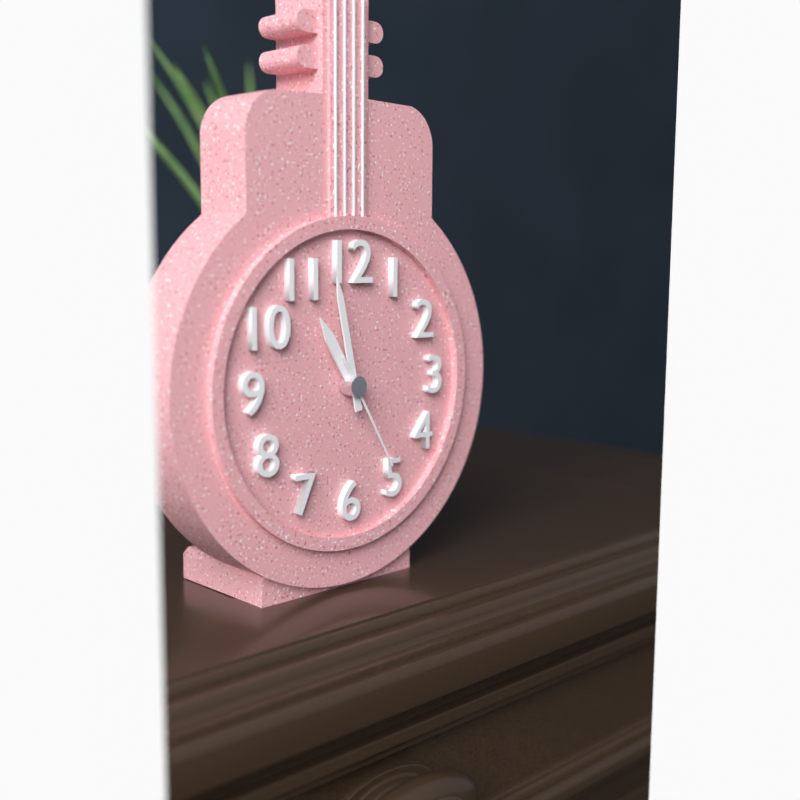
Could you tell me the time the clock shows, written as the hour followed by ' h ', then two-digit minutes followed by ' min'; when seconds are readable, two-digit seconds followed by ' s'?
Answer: 10 h 58 min 25 s
